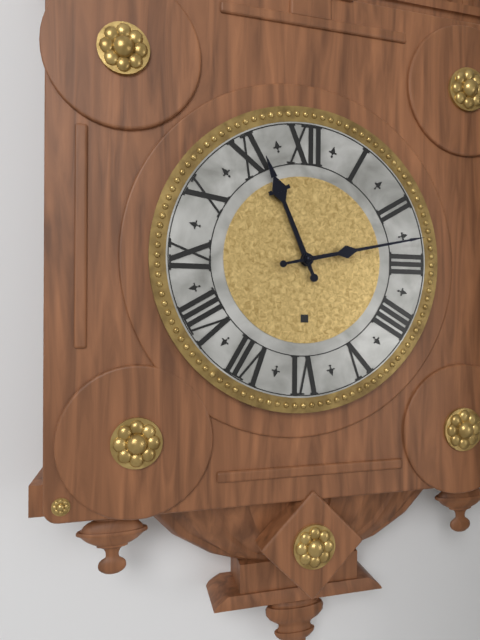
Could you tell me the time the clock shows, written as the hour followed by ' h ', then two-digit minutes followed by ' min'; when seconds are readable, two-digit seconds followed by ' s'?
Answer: 11 h 13 min
